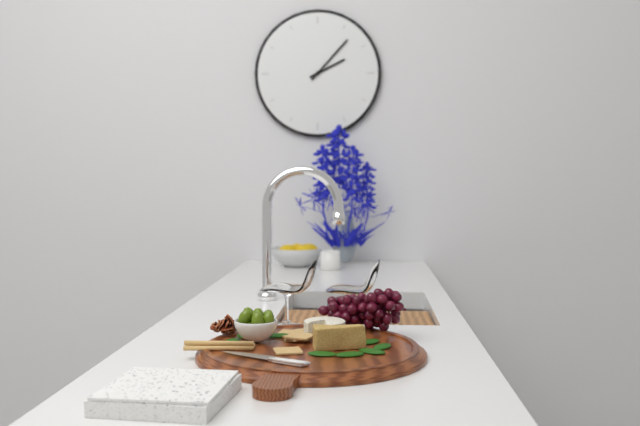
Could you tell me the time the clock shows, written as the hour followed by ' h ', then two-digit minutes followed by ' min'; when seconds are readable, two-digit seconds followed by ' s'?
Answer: 2 h 07 min
